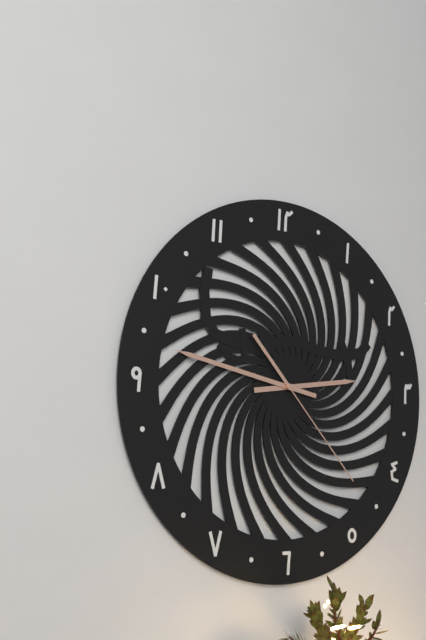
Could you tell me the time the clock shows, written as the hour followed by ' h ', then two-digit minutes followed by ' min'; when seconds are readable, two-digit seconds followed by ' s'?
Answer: 2 h 47 min 23 s
